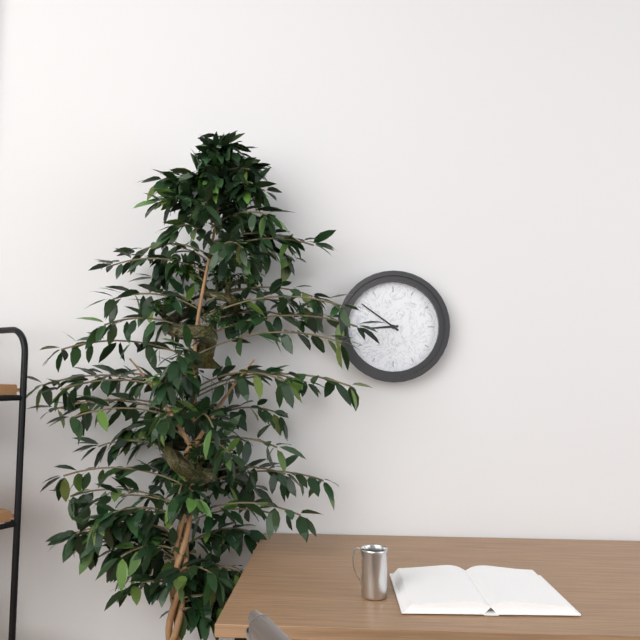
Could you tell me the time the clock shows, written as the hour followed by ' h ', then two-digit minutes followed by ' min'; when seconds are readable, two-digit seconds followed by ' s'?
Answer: 8 h 51 min
